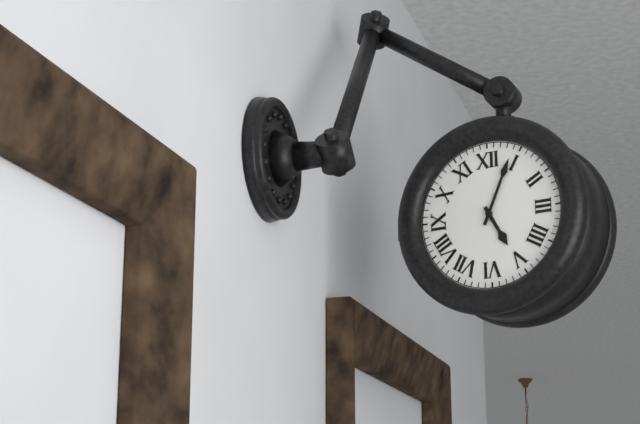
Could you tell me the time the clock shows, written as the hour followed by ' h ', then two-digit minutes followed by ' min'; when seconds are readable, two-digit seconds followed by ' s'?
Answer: 5 h 04 min
